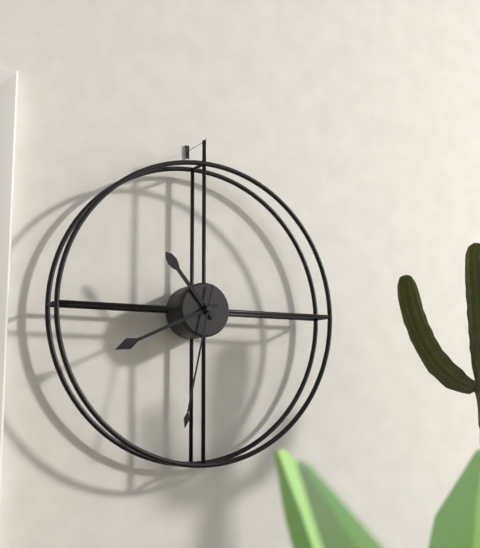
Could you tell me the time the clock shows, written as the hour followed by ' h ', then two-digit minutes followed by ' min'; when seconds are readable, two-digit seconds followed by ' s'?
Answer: 10 h 41 min 32 s
